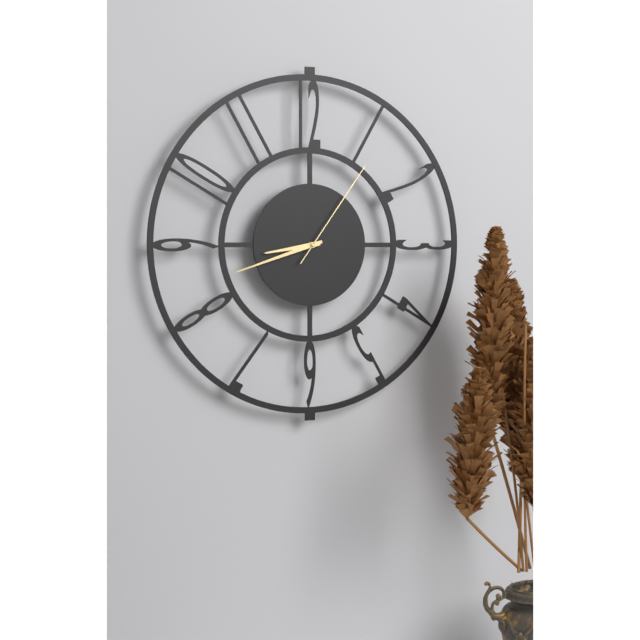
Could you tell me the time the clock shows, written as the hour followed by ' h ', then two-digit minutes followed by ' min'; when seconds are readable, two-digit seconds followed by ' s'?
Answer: 8 h 42 min 06 s
